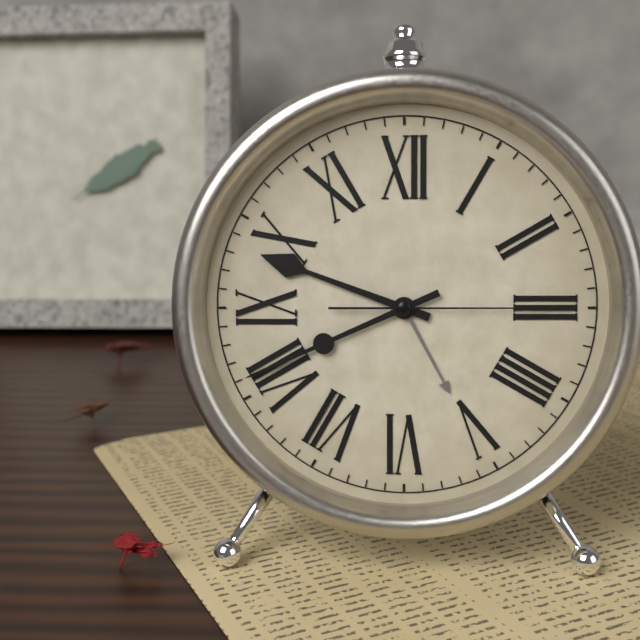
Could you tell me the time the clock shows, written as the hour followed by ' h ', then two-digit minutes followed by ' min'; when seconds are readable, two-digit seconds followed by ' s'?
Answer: 9 h 41 min 15 s
